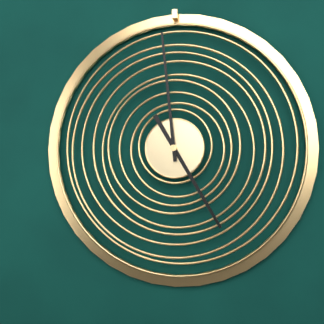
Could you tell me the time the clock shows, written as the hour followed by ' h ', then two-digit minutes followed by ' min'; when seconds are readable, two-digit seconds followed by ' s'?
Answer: 4 h 59 min
